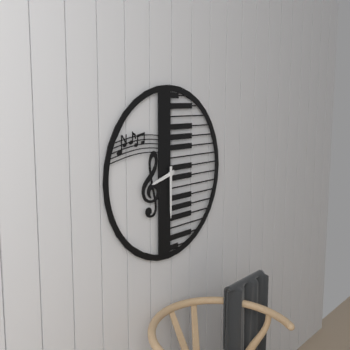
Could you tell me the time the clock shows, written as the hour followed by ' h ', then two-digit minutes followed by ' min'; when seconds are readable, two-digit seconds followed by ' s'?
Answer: 8 h 30 min
